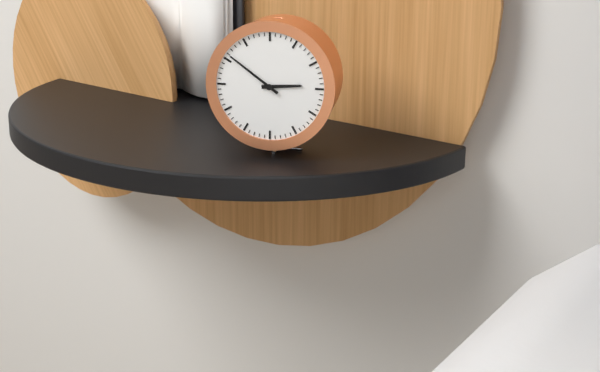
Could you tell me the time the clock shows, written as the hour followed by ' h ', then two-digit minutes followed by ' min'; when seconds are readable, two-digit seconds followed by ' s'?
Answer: 2 h 51 min
